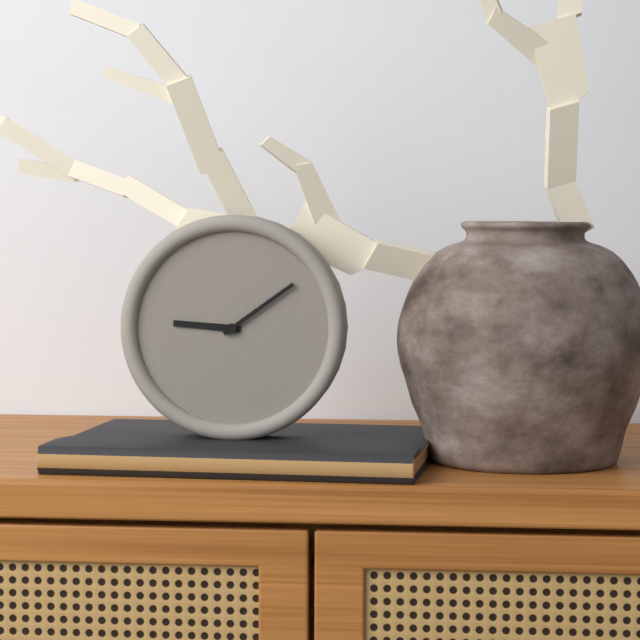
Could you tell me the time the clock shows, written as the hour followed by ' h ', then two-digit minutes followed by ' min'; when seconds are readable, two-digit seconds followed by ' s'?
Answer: 9 h 09 min
